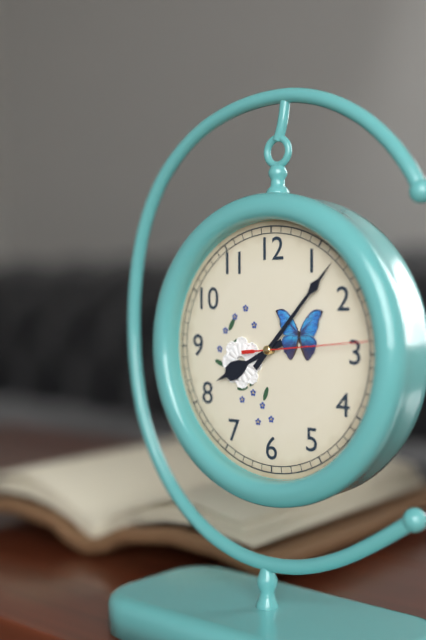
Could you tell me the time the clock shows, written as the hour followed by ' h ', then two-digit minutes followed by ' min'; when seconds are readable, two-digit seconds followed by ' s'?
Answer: 8 h 07 min 14 s
